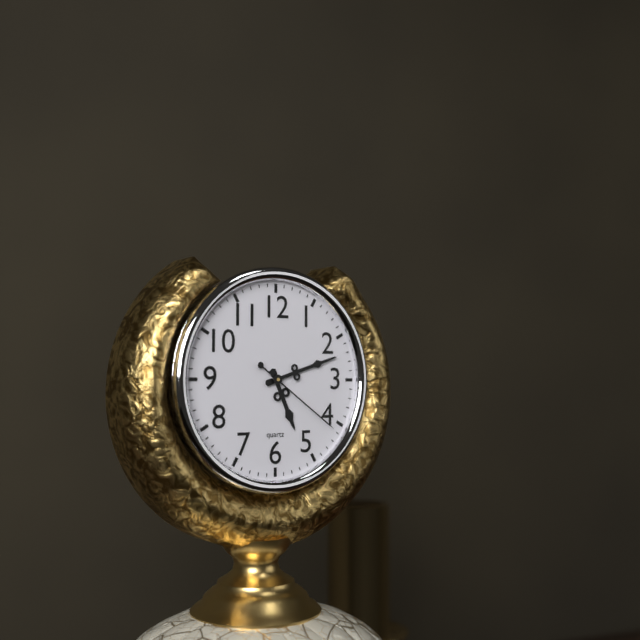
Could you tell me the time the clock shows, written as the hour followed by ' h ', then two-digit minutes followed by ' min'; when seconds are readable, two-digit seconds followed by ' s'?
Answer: 5 h 12 min 21 s
